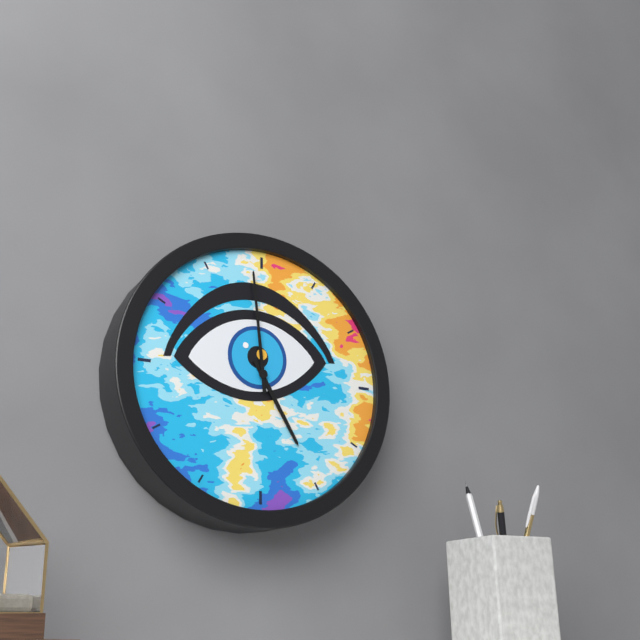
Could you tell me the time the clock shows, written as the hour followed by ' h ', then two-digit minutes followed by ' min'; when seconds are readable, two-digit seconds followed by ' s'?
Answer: 4 h 59 min
